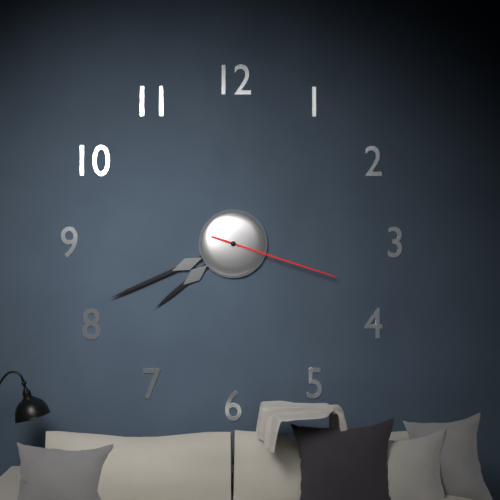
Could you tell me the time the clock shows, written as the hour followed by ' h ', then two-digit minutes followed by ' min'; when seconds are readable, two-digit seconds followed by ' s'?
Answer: 7 h 41 min 18 s
